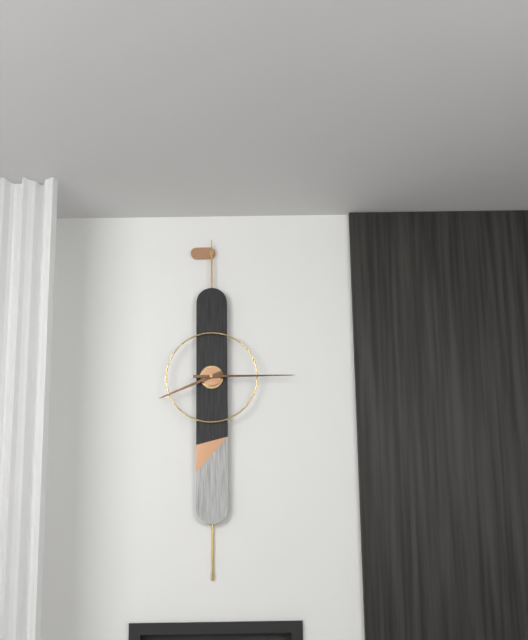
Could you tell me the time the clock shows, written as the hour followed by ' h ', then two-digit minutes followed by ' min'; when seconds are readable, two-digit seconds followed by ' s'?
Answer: 8 h 15 min
